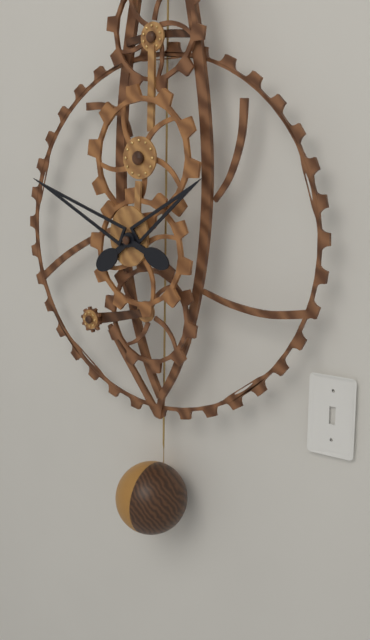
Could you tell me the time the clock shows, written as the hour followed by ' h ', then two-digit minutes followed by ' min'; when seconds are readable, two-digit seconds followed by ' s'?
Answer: 1 h 49 min
